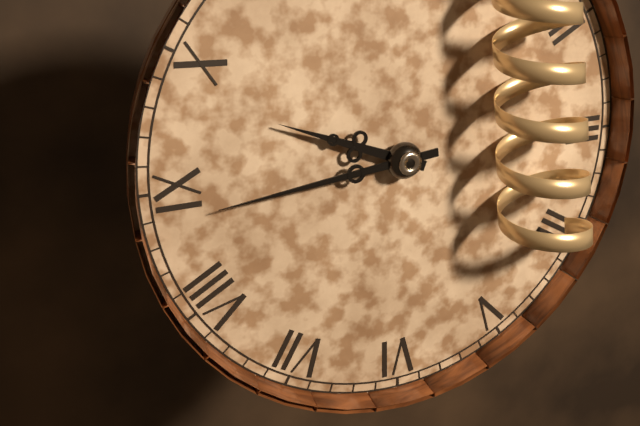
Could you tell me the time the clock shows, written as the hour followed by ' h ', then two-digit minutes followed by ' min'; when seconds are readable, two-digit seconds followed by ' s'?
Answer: 9 h 44 min
